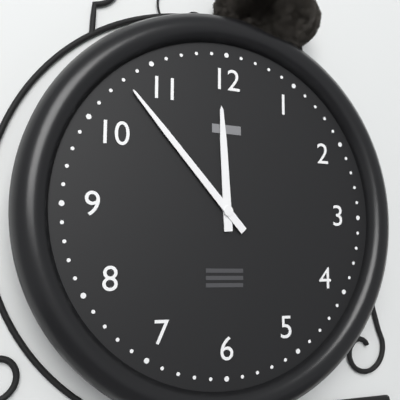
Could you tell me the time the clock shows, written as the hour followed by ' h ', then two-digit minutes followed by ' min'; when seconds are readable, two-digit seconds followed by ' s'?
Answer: 11 h 53 min
